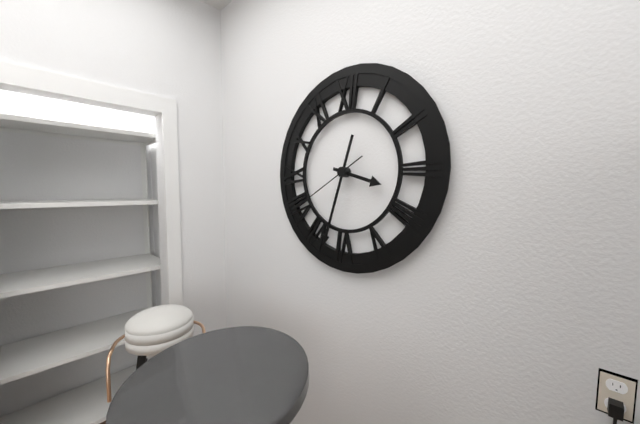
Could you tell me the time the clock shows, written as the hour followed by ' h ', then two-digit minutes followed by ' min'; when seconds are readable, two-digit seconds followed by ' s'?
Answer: 3 h 33 min 40 s
